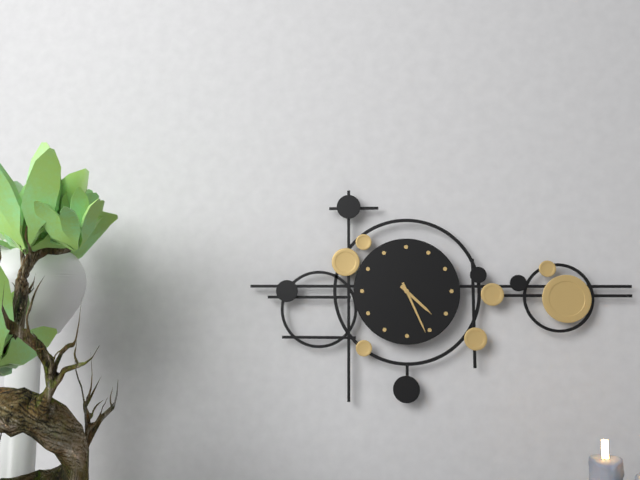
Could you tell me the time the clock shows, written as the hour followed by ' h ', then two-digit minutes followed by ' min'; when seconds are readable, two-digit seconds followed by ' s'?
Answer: 4 h 26 min
